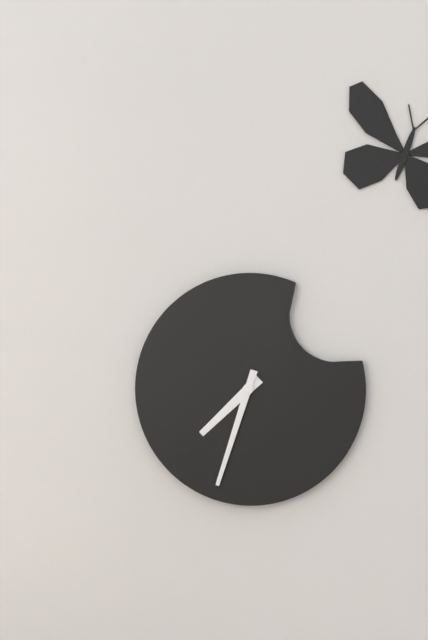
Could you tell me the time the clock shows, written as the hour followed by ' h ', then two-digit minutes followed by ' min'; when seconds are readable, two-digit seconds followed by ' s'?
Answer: 7 h 33 min
